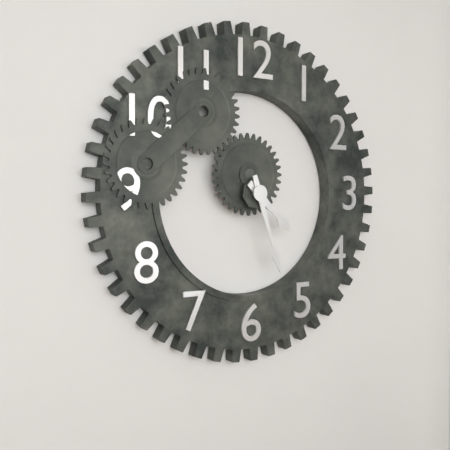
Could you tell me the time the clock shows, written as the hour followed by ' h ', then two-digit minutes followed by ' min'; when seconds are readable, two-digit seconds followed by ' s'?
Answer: 4 h 27 min
